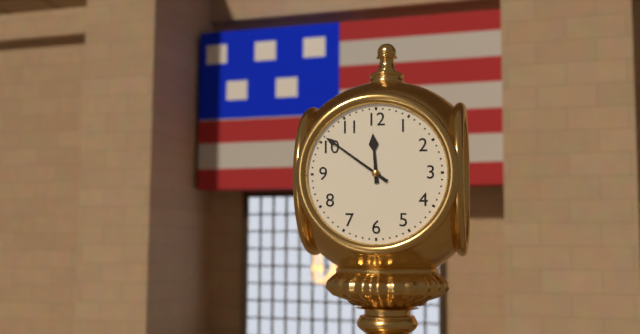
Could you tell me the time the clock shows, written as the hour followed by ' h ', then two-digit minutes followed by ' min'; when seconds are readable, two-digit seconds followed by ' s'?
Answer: 11 h 51 min
